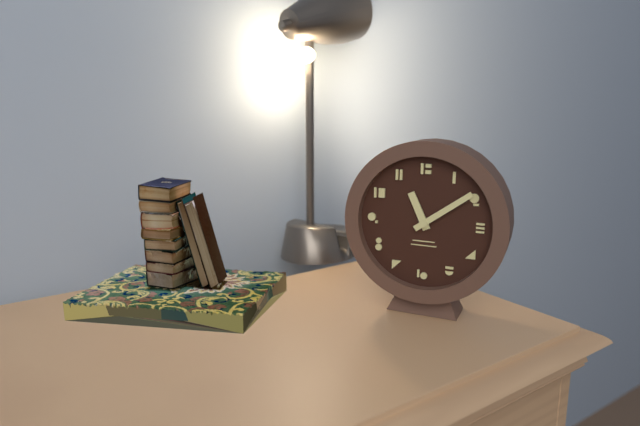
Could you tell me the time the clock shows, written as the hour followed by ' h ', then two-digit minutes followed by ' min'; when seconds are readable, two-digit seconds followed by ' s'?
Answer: 11 h 09 min
